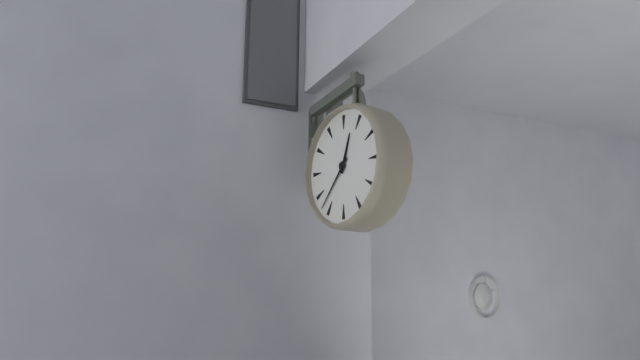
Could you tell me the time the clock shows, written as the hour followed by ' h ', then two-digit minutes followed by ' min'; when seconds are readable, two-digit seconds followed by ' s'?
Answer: 12 h 37 min
